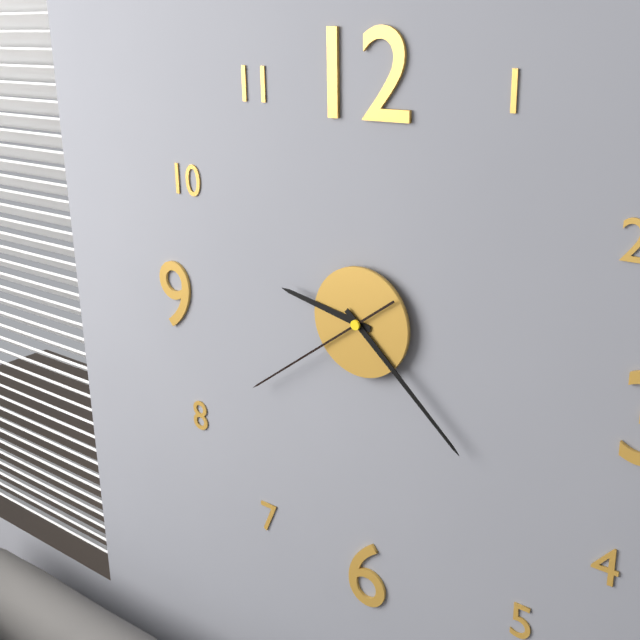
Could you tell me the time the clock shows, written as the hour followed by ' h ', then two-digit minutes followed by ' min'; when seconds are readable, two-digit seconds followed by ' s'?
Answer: 9 h 22 min 39 s
